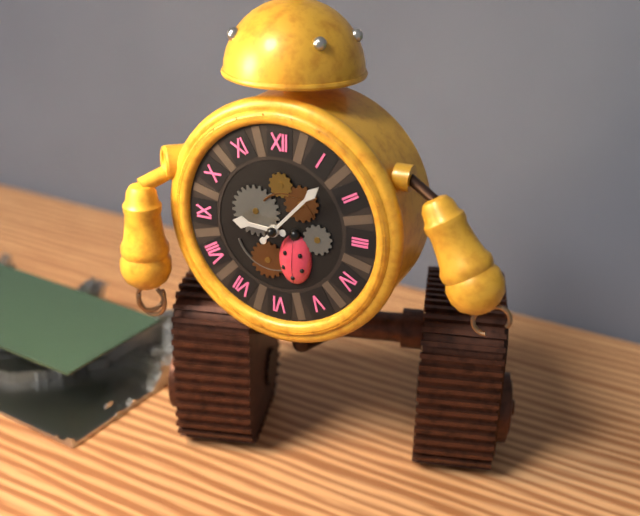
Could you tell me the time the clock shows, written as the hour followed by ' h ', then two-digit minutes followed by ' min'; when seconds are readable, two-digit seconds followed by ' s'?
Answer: 9 h 07 min
